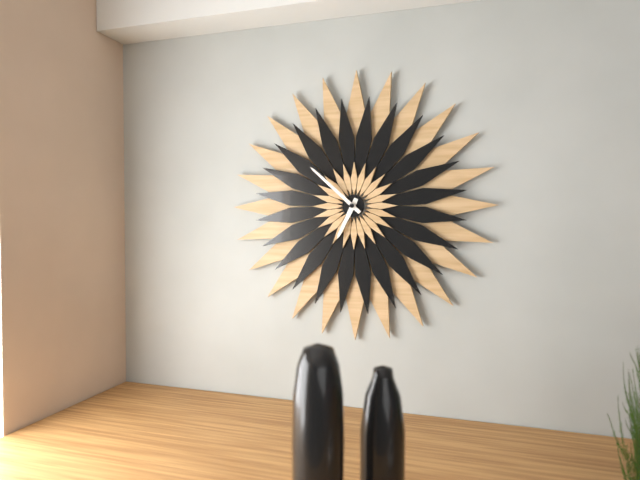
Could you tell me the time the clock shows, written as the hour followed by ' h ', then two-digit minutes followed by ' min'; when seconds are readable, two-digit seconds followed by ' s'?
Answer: 6 h 52 min
